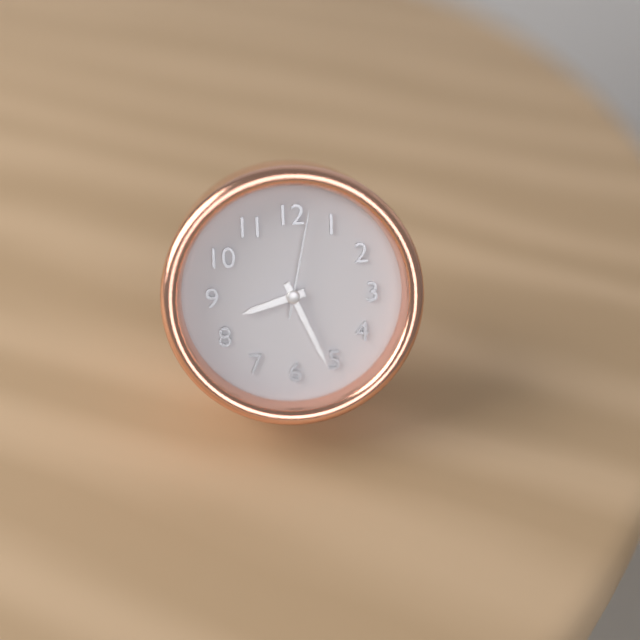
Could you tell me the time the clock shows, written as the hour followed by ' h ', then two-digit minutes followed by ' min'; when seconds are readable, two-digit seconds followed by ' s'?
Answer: 8 h 26 min 02 s
